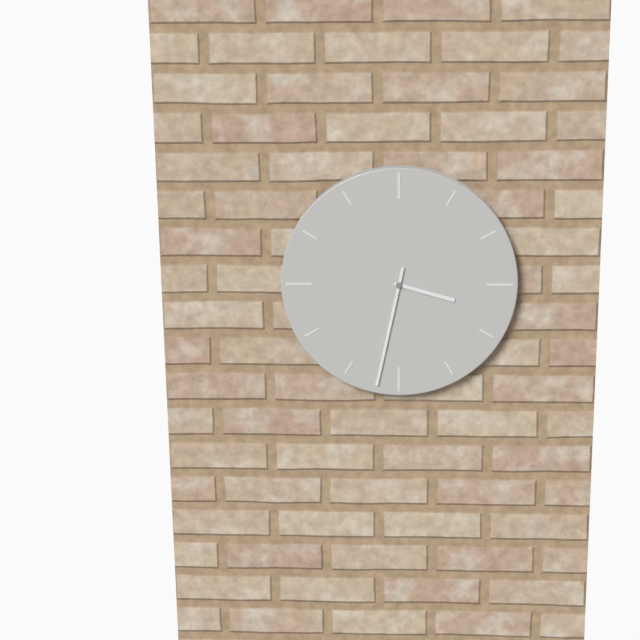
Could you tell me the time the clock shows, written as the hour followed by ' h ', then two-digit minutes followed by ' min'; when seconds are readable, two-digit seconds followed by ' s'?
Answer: 3 h 32 min
